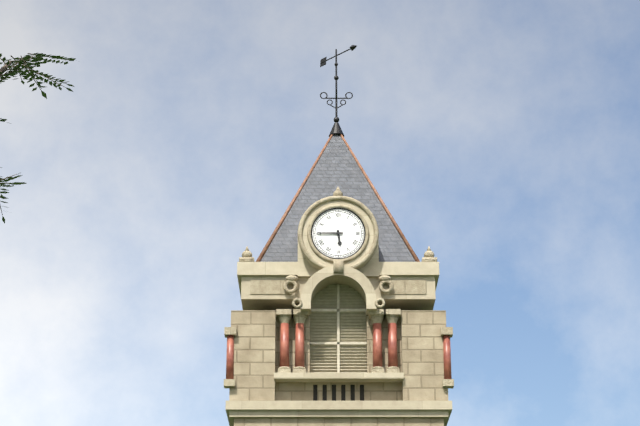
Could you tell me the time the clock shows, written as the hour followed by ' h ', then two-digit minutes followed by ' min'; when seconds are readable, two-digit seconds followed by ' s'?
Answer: 5 h 45 min
